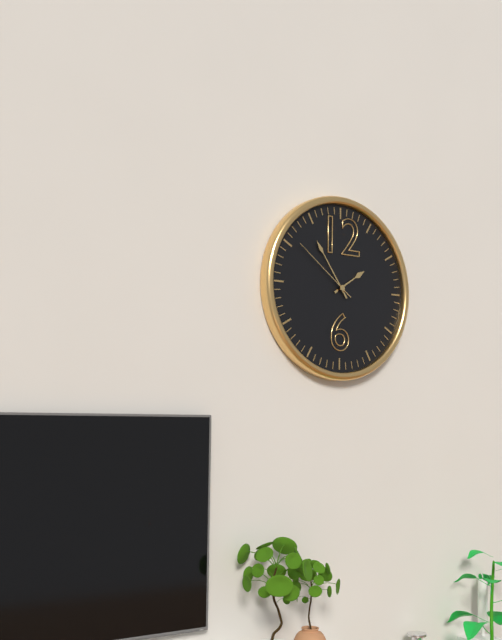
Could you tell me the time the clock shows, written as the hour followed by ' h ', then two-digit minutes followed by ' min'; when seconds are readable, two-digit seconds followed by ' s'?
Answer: 1 h 54 min 51 s
